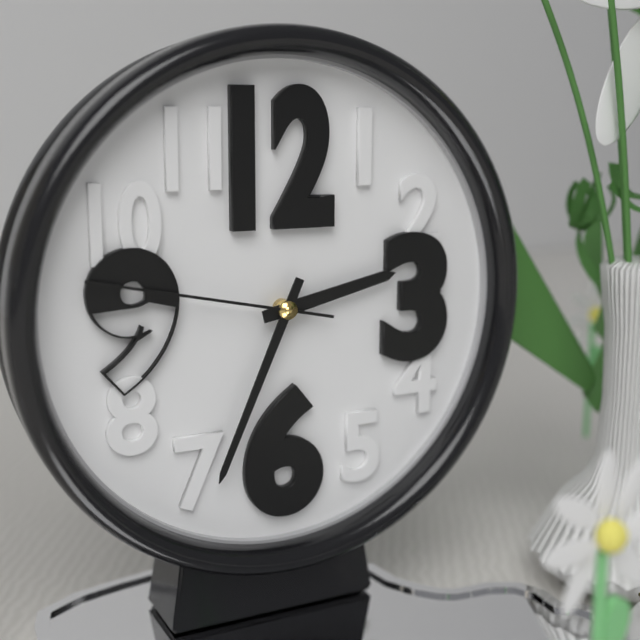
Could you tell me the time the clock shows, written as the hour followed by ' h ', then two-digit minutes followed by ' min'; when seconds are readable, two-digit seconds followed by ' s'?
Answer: 2 h 34 min 47 s
